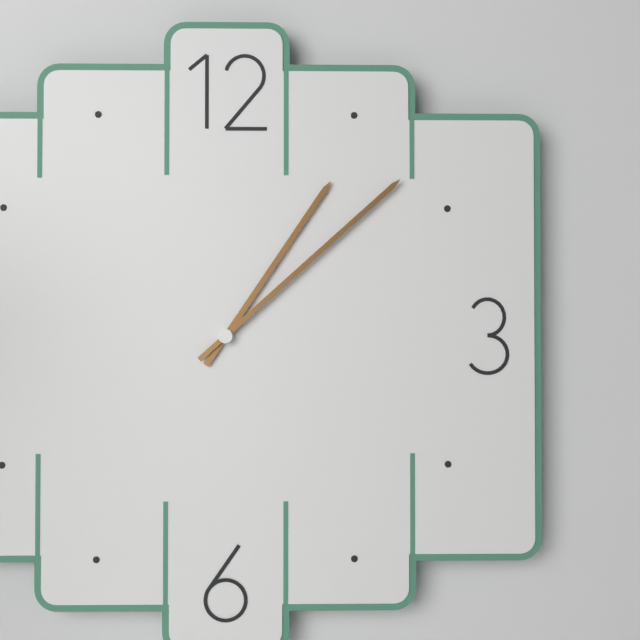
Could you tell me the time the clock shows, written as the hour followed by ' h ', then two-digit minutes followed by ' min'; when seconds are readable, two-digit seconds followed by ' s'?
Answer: 1 h 08 min
